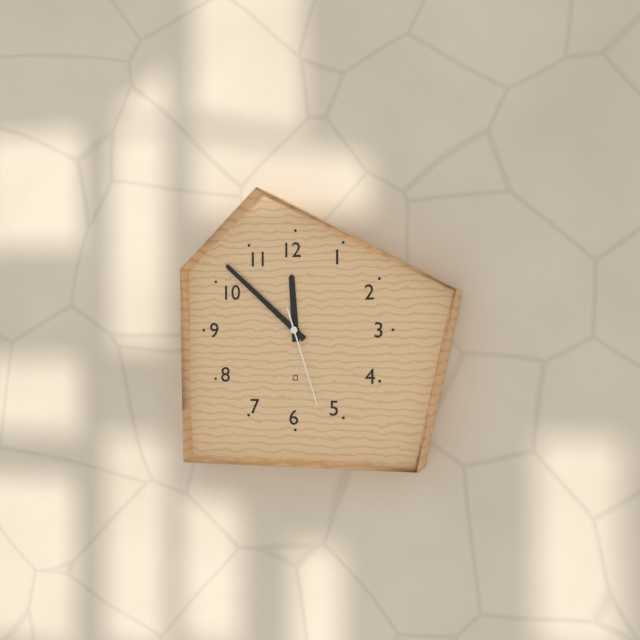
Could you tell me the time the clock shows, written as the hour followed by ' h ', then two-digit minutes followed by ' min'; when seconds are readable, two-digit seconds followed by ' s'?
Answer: 11 h 52 min 27 s
